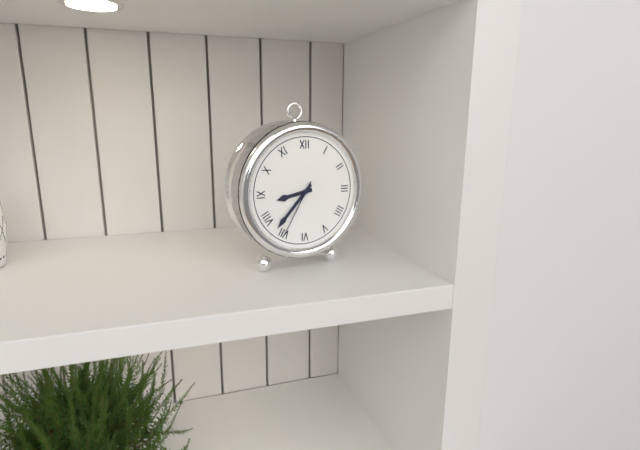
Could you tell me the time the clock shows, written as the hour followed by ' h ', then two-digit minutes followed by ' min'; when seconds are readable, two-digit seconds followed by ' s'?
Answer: 8 h 37 min 35 s
